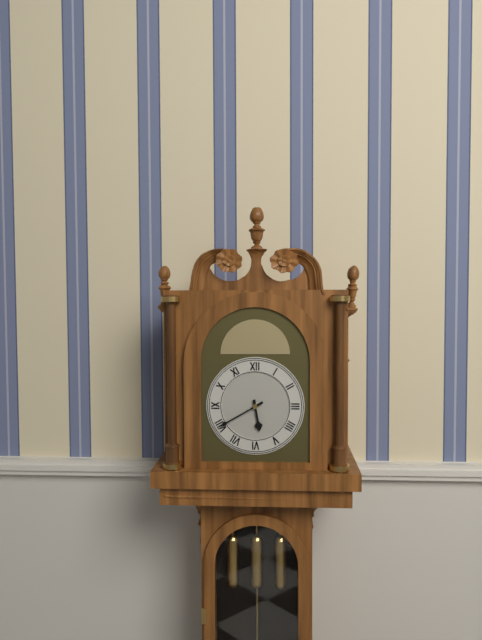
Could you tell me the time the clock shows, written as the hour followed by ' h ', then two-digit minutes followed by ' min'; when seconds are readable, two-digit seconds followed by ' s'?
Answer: 5 h 40 min
